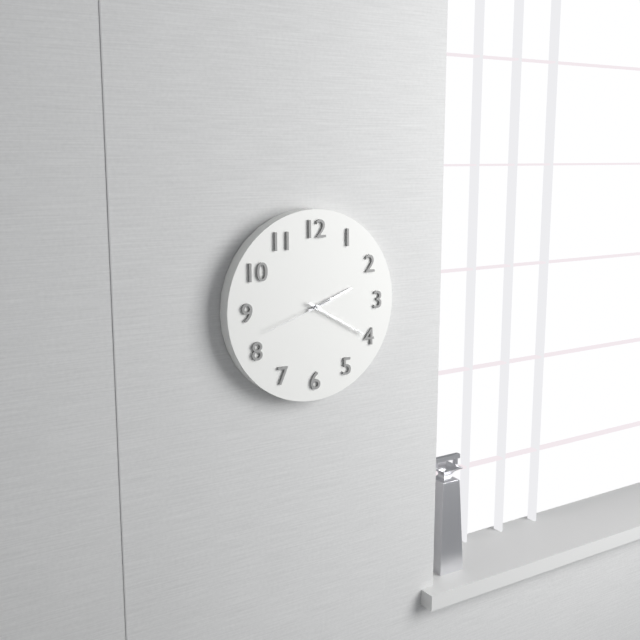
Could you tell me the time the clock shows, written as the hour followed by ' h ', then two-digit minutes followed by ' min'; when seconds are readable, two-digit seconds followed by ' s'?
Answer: 2 h 20 min 42 s
